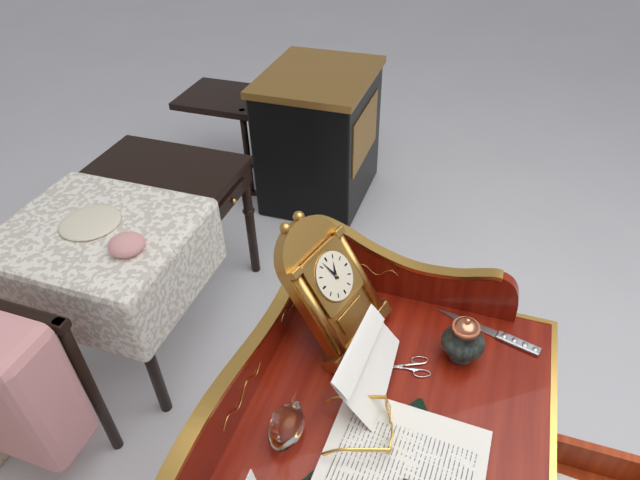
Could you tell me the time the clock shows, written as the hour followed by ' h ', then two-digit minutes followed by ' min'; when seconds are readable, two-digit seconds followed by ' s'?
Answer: 12 h 57 min
